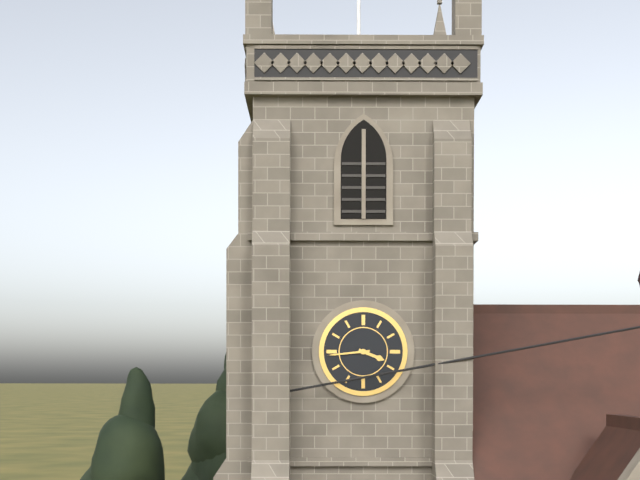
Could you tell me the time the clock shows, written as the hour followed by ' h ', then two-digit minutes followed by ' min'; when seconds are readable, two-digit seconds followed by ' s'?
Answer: 3 h 44 min
